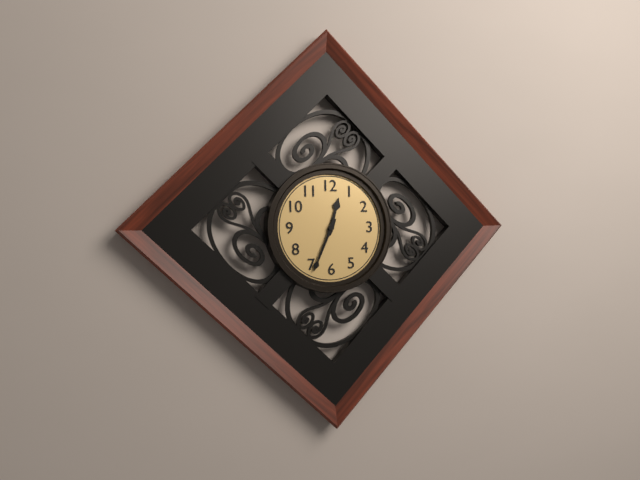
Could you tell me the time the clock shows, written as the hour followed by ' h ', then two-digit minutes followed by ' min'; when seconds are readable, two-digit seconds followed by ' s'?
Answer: 12 h 34 min
